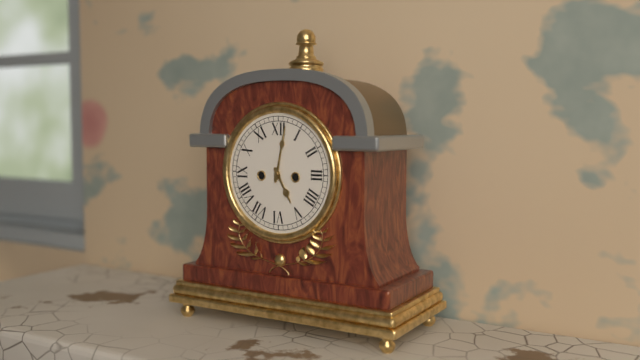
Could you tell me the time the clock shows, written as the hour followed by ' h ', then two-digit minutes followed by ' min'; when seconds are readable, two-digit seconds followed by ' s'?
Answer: 5 h 02 min
